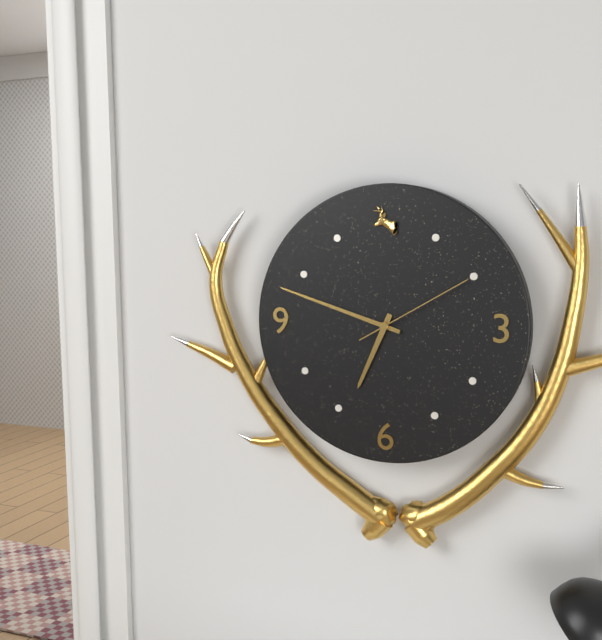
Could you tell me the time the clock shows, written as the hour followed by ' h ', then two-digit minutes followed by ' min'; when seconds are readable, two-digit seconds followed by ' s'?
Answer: 6 h 48 min 10 s
